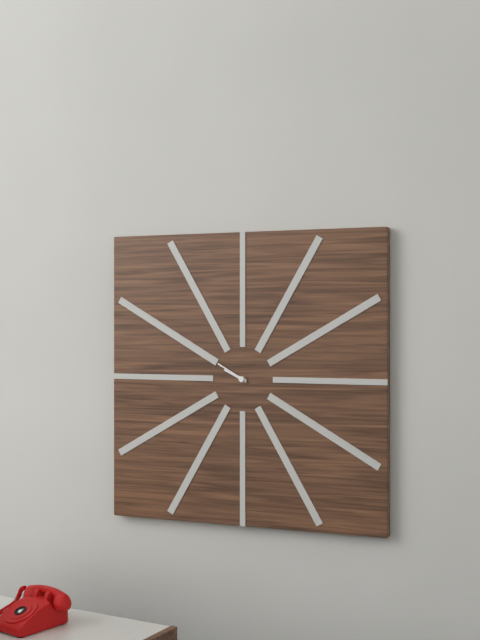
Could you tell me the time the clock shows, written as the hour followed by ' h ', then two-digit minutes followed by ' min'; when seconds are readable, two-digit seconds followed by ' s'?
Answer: 9 h 50 min
